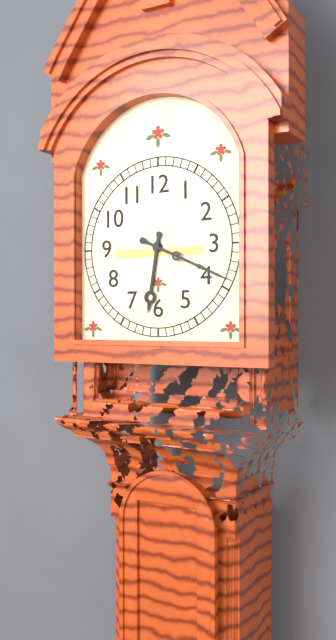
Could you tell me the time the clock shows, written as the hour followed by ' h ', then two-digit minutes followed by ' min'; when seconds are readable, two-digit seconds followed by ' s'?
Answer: 6 h 19 min
